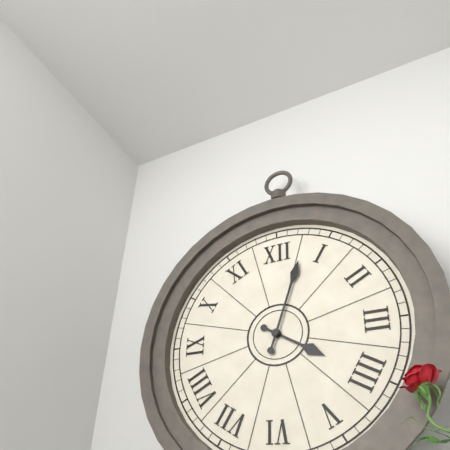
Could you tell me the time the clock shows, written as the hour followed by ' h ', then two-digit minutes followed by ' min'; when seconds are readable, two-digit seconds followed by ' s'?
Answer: 4 h 03 min
